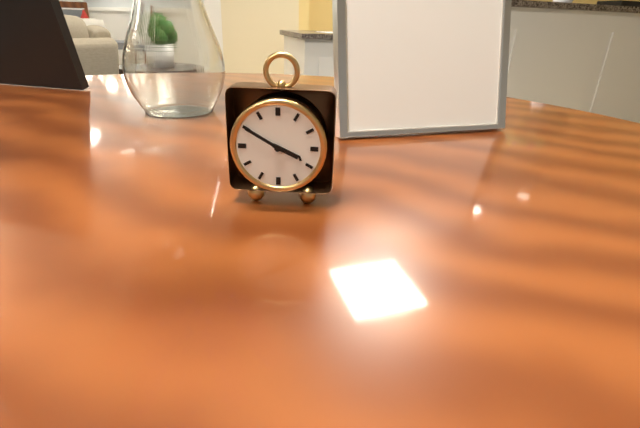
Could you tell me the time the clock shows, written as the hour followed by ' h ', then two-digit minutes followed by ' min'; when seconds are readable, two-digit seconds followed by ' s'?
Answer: 3 h 50 min
